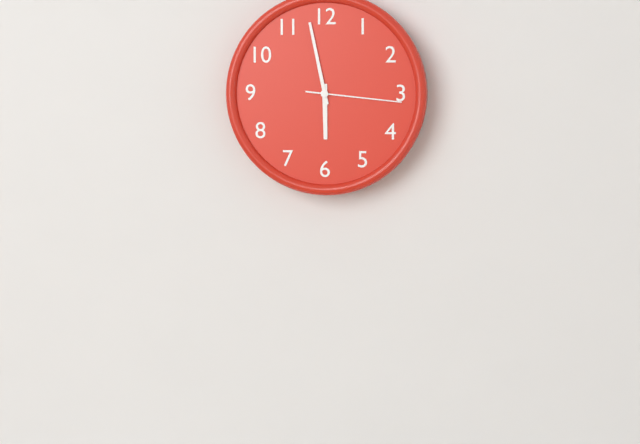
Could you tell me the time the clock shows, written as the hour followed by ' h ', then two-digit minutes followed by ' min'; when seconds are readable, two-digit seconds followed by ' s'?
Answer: 5 h 58 min 16 s
